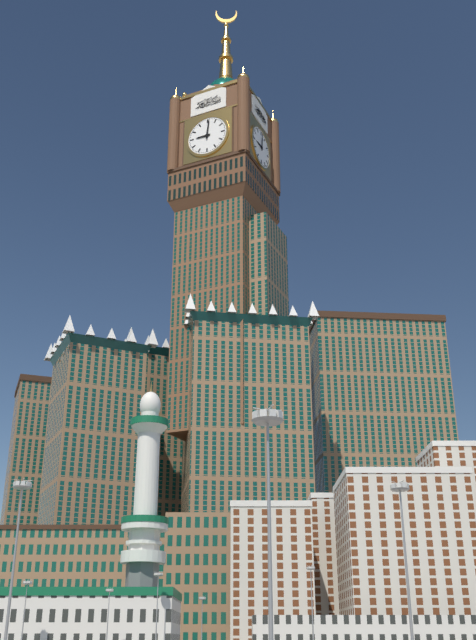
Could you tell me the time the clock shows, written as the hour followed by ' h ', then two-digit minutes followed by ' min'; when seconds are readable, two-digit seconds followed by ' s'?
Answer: 9 h 01 min
